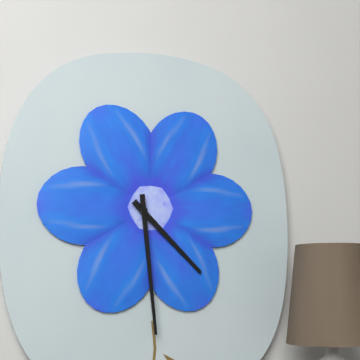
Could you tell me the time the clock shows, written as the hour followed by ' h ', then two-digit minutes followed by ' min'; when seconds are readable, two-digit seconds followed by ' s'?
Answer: 4 h 29 min
